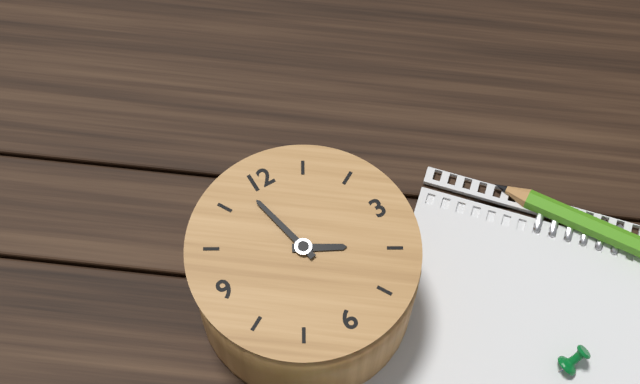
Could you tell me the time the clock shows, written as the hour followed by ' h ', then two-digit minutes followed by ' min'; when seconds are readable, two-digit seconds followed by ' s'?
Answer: 3 h 58 min
